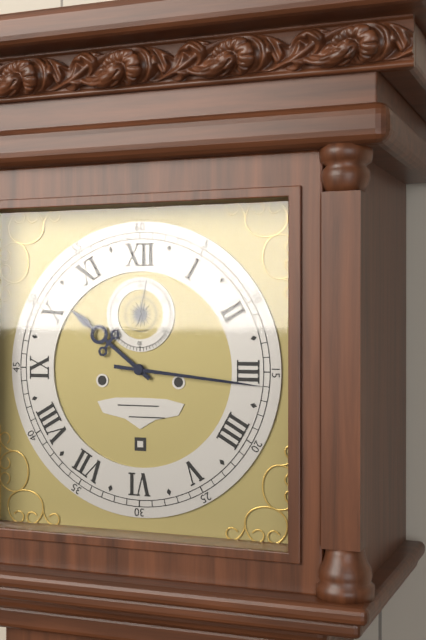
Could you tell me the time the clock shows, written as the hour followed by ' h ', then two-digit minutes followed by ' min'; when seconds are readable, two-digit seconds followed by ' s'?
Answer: 10 h 16 min 02 s
